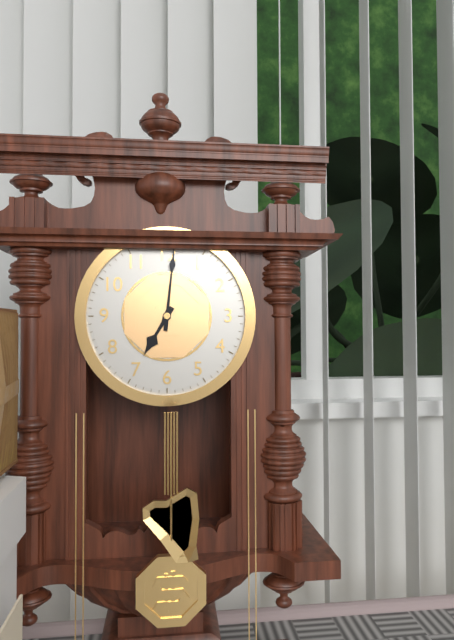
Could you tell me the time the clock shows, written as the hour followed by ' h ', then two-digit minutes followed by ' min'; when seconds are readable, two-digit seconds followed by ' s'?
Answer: 7 h 01 min
